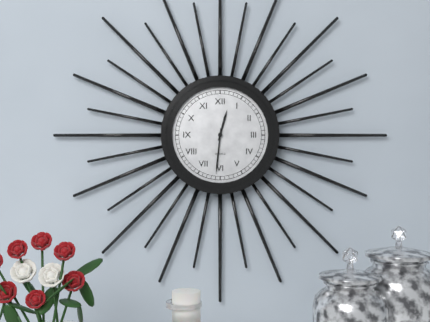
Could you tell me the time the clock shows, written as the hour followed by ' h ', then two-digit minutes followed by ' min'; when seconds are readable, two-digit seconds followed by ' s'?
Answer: 12 h 31 min
